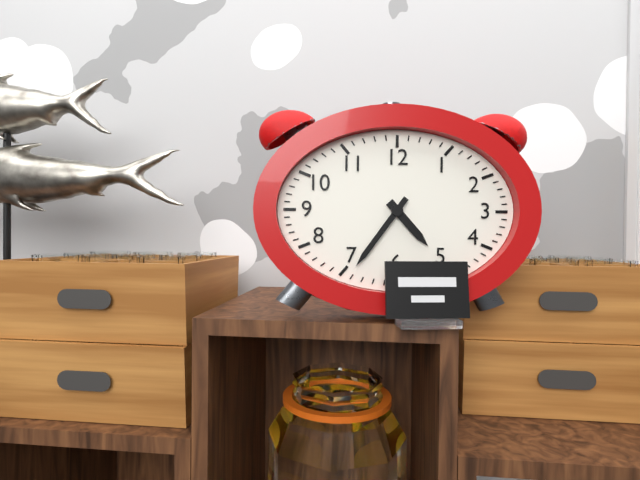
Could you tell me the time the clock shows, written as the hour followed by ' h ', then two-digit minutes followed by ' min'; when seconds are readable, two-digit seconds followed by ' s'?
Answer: 4 h 36 min
